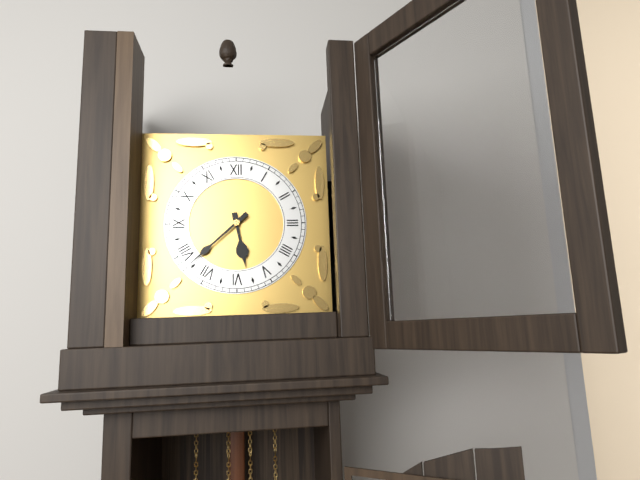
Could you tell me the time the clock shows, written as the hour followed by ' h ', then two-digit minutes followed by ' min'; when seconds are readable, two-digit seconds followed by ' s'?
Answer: 5 h 38 min
